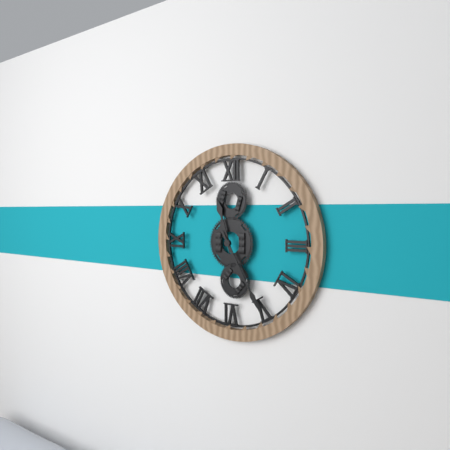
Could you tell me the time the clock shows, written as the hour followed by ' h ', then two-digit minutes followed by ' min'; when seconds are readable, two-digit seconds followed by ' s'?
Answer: 11 h 25 min
